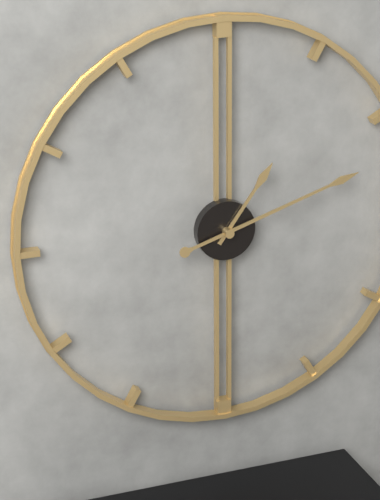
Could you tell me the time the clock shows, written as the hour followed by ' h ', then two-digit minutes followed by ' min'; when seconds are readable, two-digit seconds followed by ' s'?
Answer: 1 h 12 min
